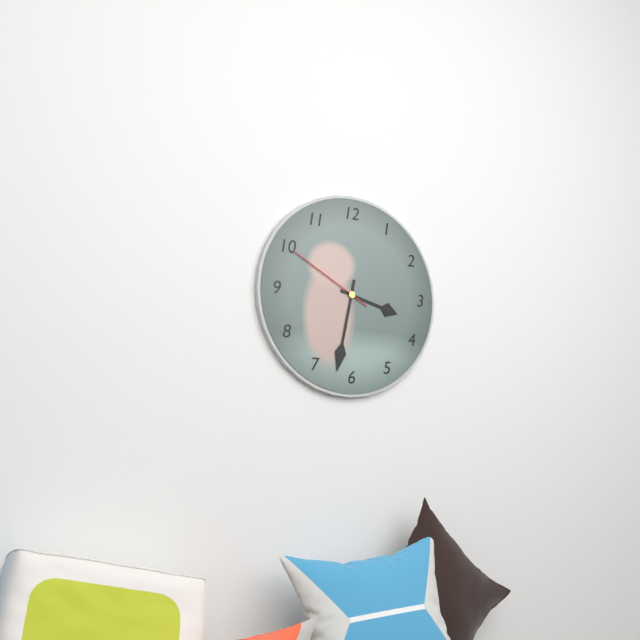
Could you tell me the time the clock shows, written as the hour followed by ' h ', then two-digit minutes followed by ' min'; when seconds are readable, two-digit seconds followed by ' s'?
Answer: 3 h 32 min 50 s
